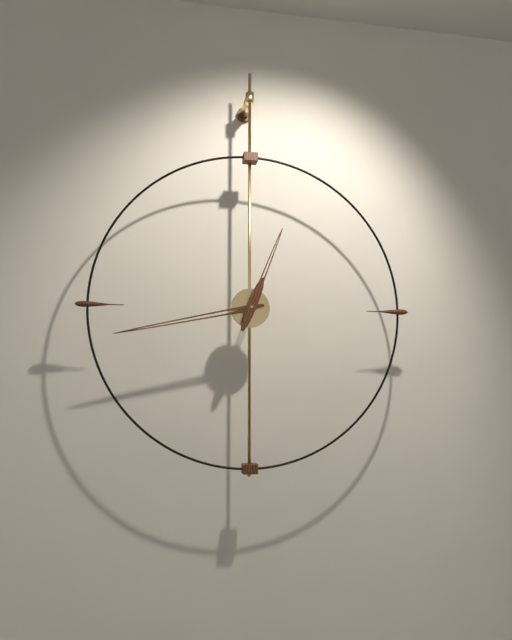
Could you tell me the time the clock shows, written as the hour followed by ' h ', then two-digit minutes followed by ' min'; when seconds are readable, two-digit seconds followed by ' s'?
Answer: 12 h 43 min
